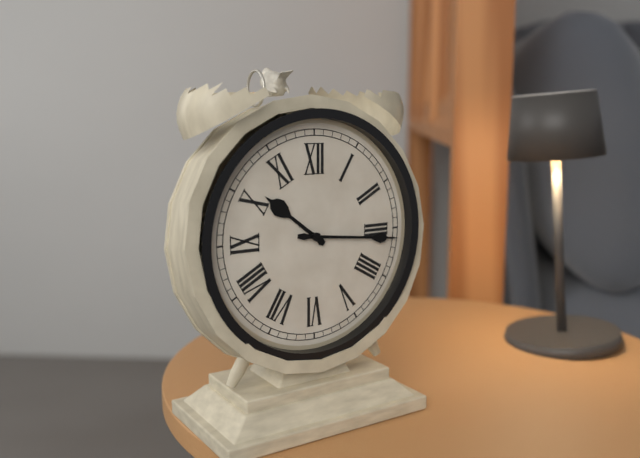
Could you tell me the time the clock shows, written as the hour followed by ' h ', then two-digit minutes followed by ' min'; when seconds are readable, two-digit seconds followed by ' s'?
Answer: 10 h 16 min
